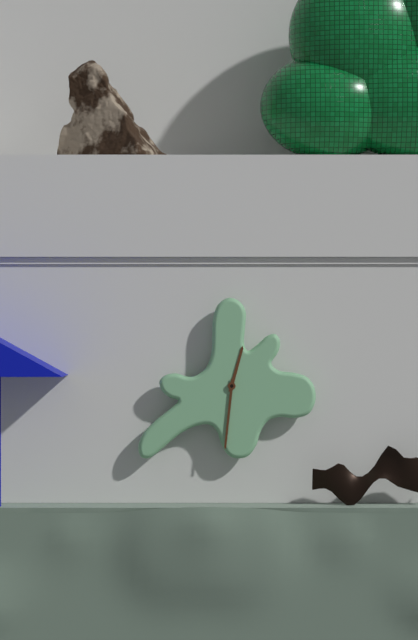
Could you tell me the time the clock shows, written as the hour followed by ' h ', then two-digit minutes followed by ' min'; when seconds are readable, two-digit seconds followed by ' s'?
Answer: 12 h 31 min
